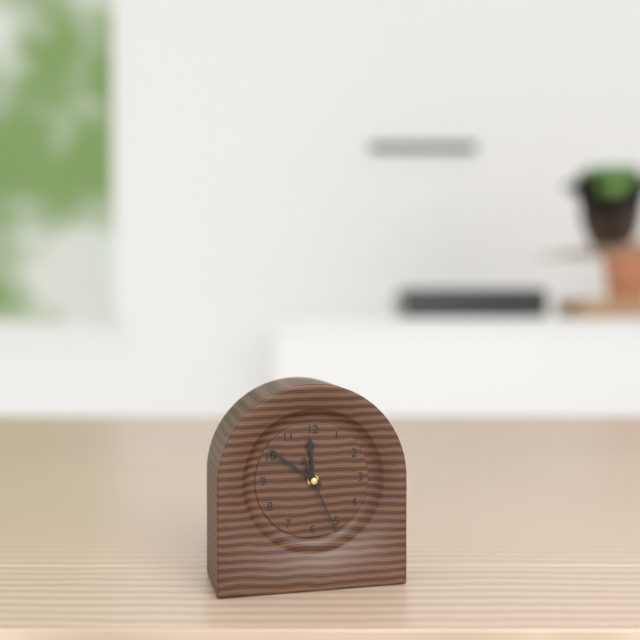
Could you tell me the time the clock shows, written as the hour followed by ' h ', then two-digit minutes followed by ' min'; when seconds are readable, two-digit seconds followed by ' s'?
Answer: 11 h 51 min 26 s
